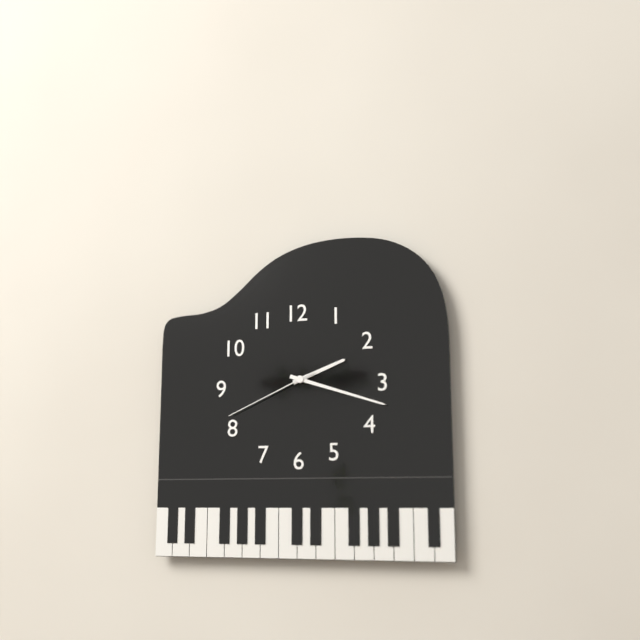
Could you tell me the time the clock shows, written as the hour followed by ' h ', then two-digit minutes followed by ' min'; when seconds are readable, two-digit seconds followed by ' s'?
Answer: 2 h 18 min 41 s
